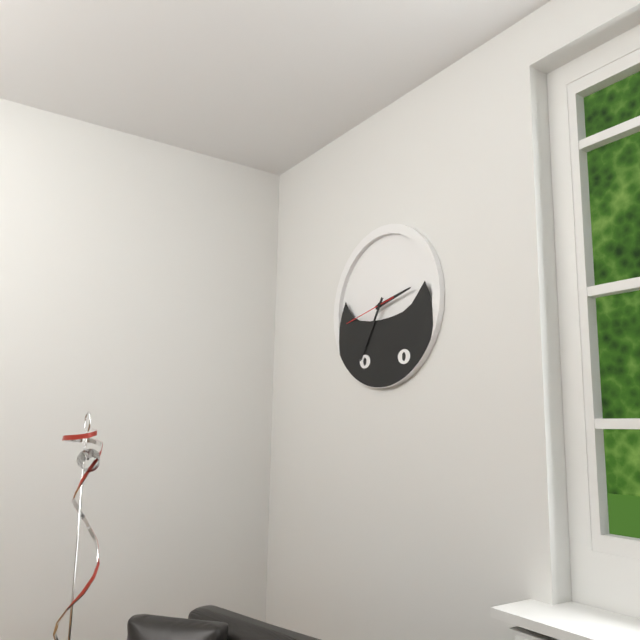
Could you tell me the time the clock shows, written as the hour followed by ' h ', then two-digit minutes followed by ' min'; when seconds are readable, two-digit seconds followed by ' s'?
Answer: 2 h 35 min
